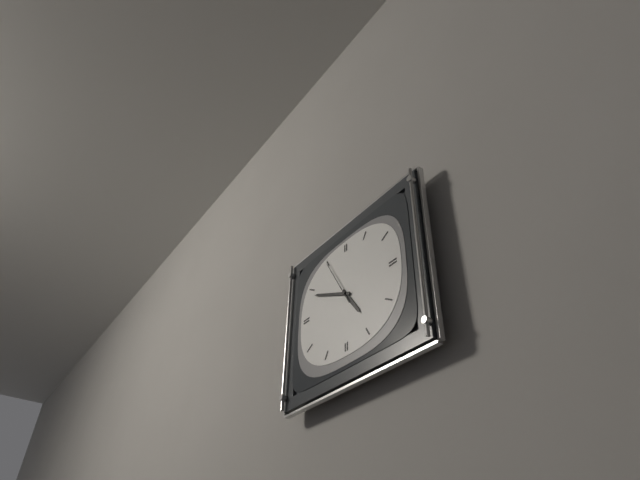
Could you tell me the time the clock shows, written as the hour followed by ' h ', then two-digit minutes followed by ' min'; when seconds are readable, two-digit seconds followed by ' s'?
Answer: 4 h 49 min
